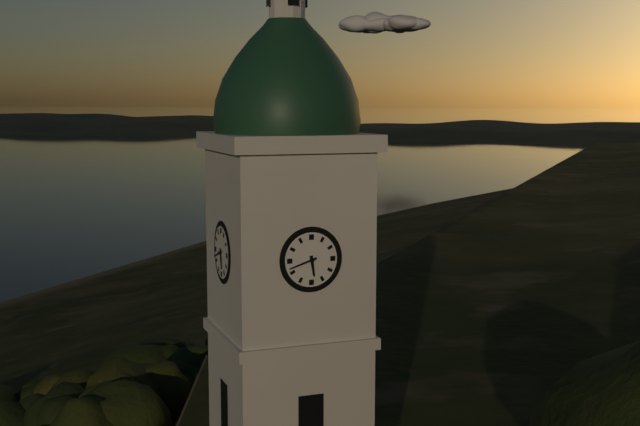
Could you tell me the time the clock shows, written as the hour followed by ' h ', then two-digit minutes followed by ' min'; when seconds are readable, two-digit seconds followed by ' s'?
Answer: 5 h 42 min
